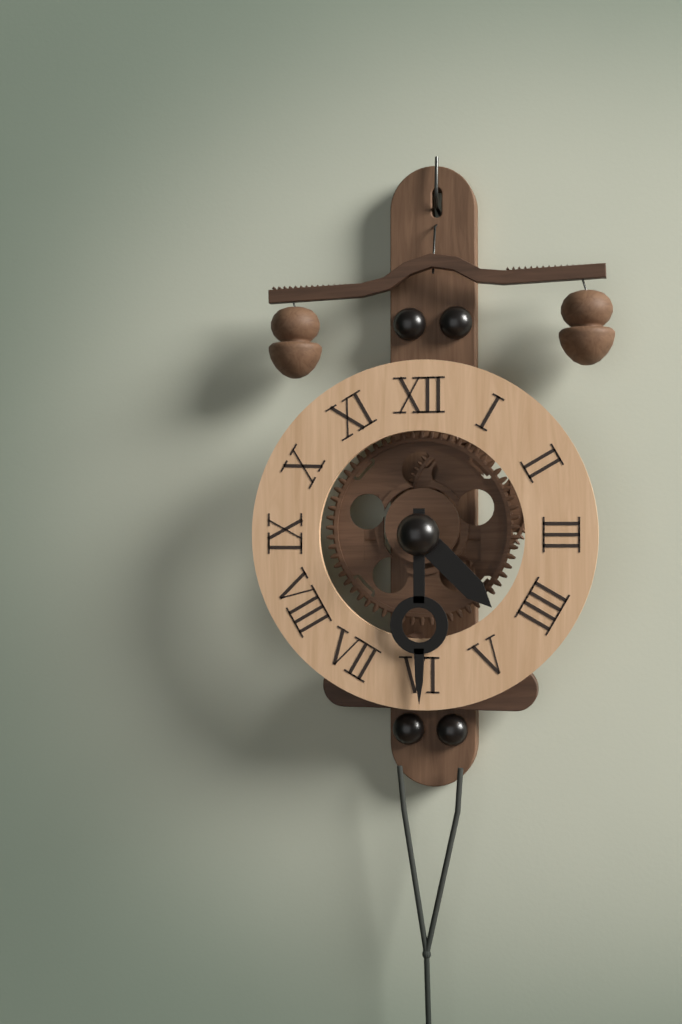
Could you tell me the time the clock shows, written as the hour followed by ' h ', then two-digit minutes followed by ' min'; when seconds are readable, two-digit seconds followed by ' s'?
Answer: 4 h 30 min
